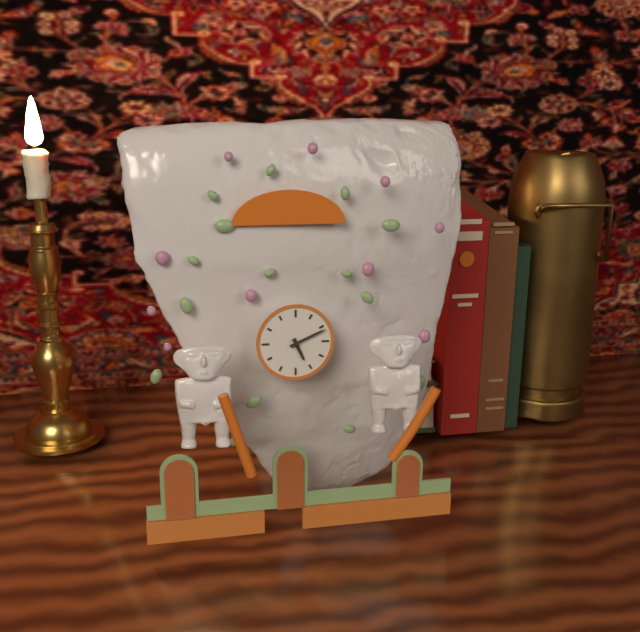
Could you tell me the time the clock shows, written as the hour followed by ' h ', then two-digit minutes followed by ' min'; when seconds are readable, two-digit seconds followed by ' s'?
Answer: 5 h 11 min
